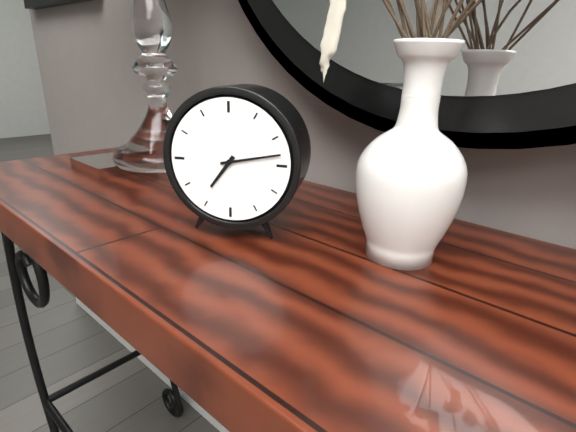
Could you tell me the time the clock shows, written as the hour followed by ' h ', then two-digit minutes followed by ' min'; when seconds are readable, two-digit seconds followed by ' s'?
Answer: 7 h 13 min
